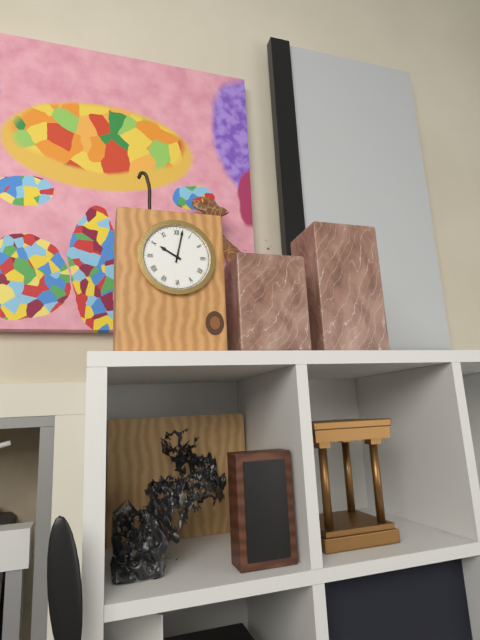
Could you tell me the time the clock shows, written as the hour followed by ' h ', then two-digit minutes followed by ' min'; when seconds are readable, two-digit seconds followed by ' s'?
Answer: 10 h 02 min
